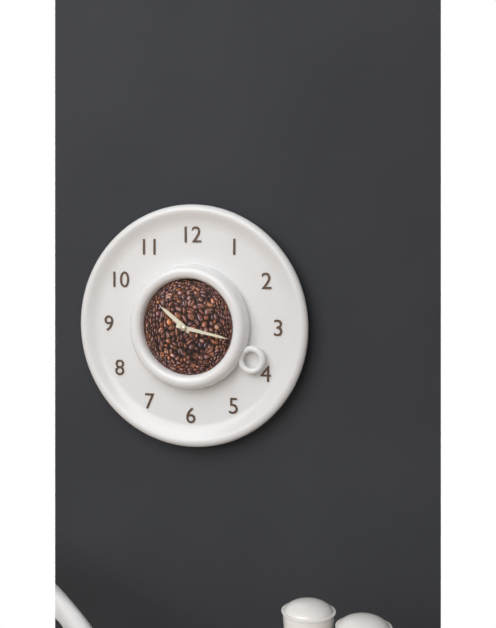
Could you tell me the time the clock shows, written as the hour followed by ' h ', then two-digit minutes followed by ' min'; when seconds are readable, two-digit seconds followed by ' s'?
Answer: 10 h 17 min
